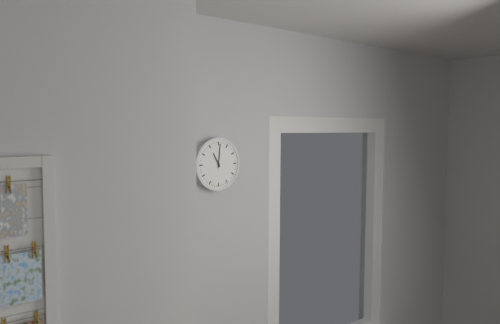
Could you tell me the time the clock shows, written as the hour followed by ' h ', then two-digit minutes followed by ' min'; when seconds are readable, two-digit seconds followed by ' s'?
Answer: 11 h 01 min
